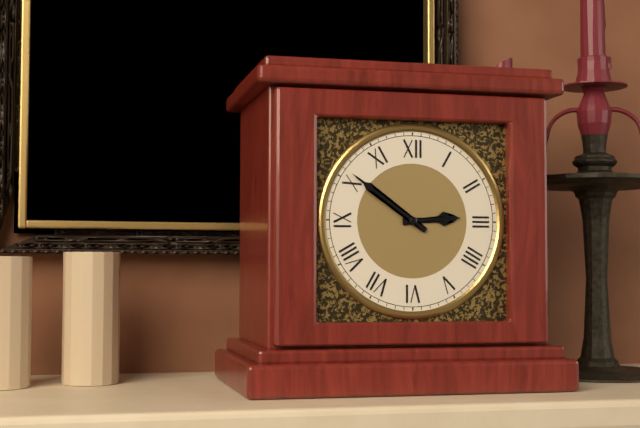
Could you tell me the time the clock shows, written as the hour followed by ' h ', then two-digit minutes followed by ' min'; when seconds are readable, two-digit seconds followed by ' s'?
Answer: 2 h 51 min
